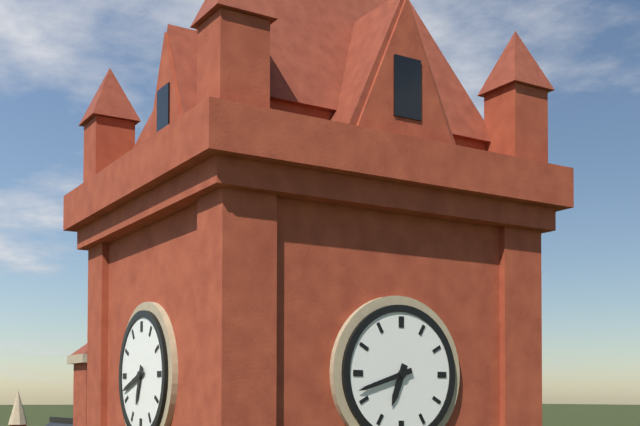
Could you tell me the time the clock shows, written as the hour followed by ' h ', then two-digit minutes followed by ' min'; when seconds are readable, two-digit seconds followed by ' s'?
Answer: 6 h 42 min
